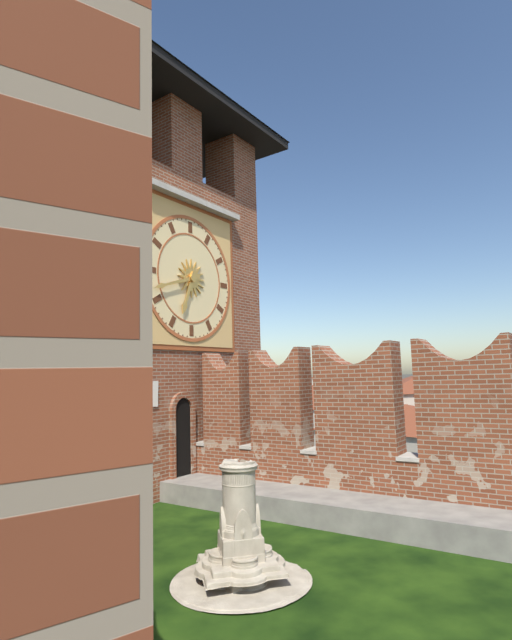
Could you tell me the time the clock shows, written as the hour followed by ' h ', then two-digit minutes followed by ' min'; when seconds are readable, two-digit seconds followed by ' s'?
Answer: 6 h 42 min
